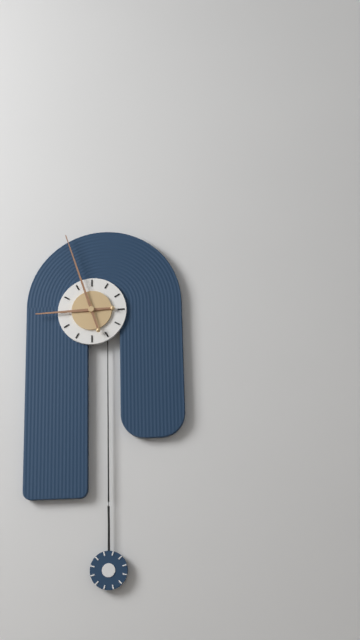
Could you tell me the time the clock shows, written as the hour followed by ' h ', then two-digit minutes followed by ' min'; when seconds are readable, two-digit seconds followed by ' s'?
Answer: 8 h 57 min
